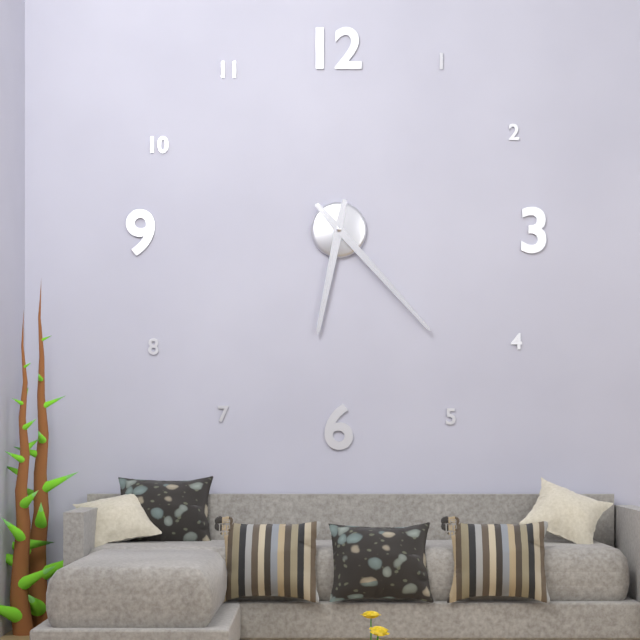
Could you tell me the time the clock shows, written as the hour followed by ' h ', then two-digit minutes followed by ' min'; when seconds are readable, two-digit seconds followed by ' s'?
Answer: 6 h 23 min
